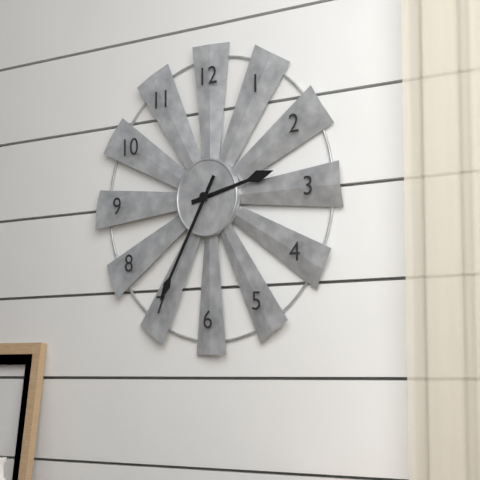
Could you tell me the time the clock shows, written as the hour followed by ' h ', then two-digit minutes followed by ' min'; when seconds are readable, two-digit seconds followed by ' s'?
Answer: 2 h 35 min
